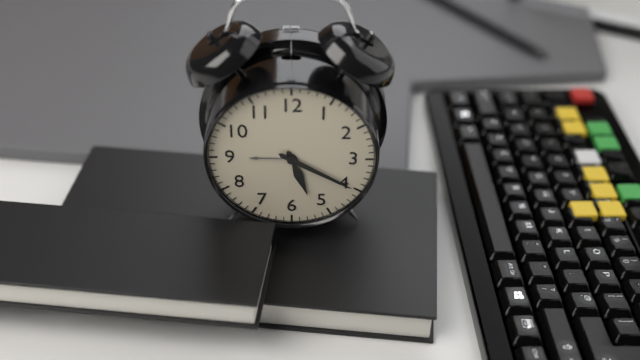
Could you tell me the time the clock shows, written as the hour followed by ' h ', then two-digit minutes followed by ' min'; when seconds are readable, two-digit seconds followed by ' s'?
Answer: 5 h 20 min
